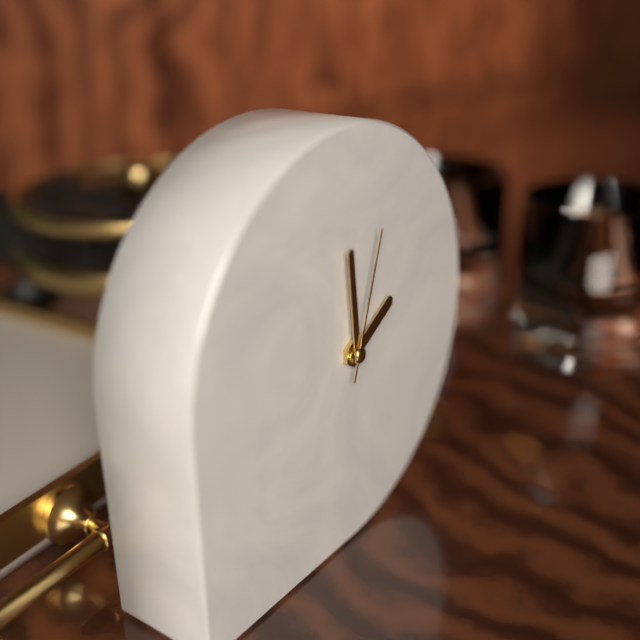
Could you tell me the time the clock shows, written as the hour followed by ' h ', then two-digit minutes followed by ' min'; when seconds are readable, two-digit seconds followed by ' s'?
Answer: 1 h 59 min 03 s
